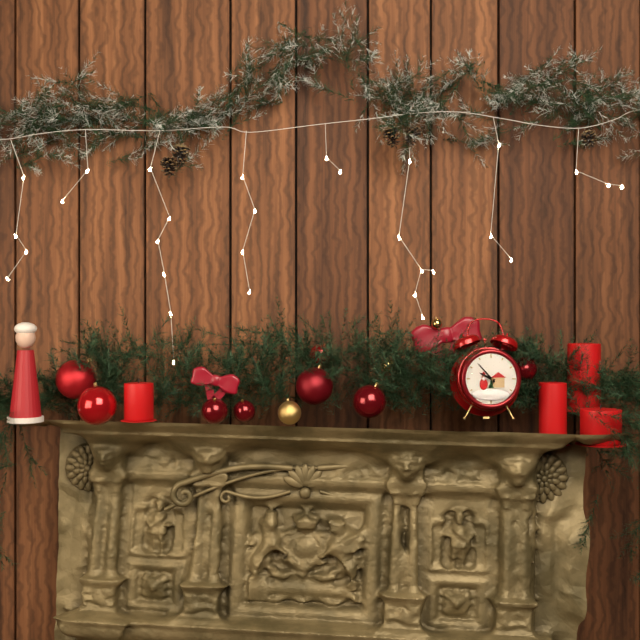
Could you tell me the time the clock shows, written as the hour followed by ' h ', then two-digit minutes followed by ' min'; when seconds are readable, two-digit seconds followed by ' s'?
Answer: 9 h 53 min
